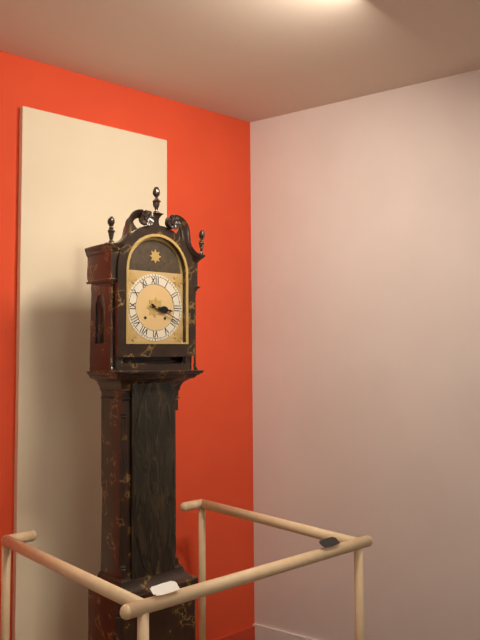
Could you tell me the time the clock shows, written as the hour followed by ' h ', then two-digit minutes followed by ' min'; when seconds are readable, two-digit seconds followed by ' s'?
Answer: 3 h 19 min
